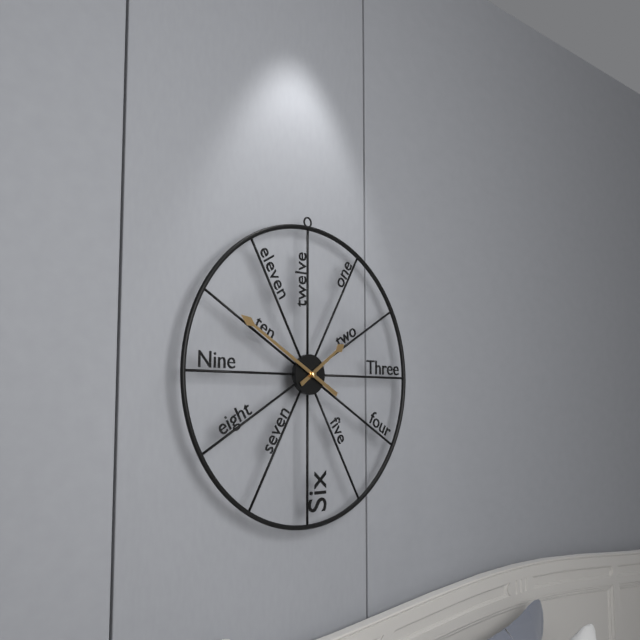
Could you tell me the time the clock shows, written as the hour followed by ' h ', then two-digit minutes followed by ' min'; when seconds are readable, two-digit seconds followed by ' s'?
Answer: 1 h 50 min
